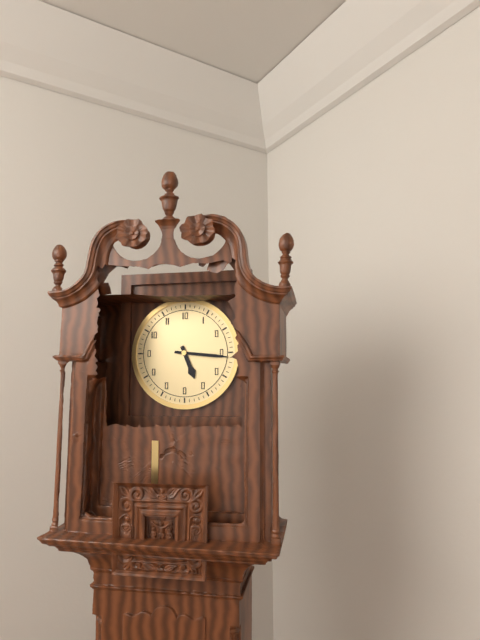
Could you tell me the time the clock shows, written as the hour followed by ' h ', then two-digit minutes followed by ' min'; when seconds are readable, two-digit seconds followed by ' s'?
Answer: 5 h 16 min
